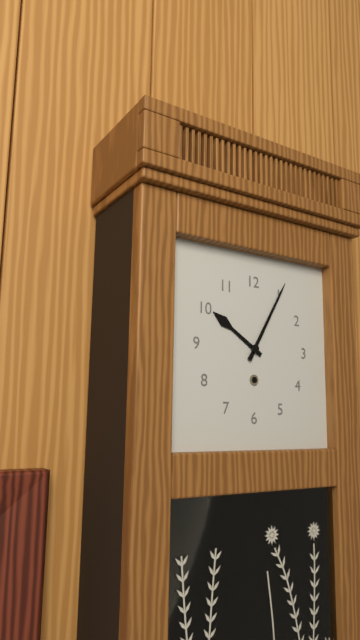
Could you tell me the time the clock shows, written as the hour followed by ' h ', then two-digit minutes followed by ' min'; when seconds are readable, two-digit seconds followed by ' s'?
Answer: 10 h 05 min
